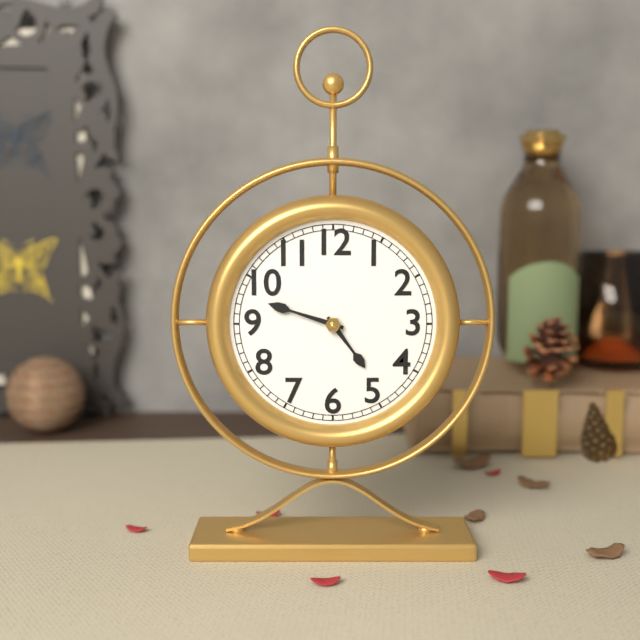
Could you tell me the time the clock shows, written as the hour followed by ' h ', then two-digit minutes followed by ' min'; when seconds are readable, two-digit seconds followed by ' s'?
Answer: 4 h 48 min
